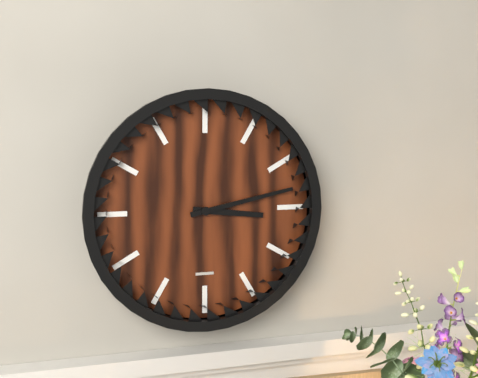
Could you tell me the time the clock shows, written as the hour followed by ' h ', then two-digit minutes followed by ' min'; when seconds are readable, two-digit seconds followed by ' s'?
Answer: 3 h 13 min
